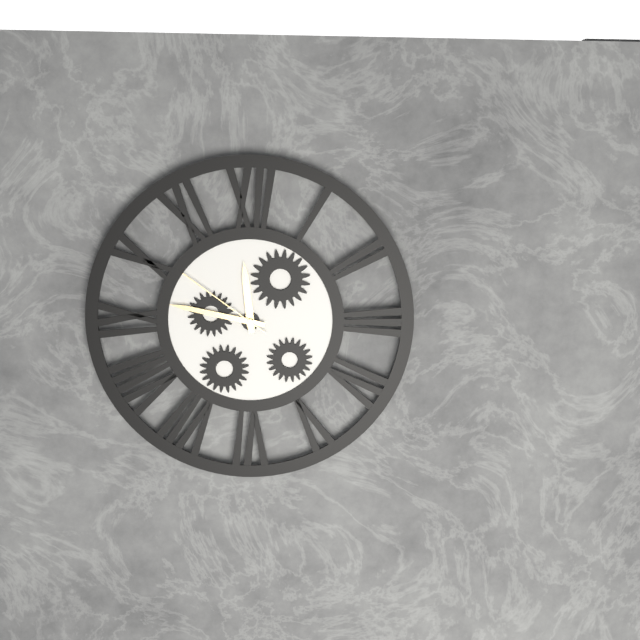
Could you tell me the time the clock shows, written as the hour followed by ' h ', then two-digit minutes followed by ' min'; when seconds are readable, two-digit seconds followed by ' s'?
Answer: 11 h 47 min 51 s
